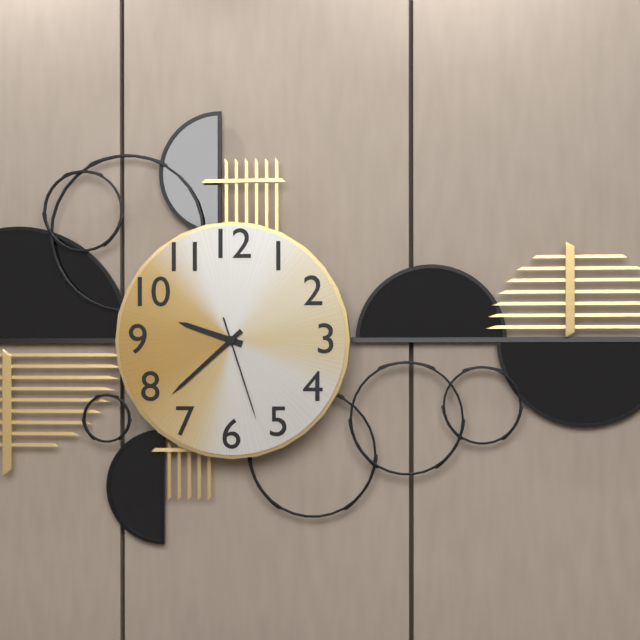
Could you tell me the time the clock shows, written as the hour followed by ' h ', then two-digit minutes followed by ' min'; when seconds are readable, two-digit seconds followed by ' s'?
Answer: 9 h 38 min 27 s
